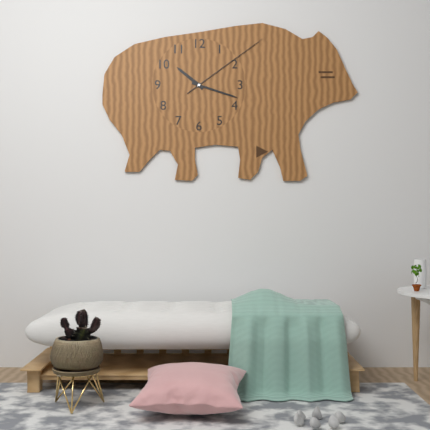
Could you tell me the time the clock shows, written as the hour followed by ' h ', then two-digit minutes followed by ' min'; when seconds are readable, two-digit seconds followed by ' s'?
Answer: 10 h 18 min 09 s
